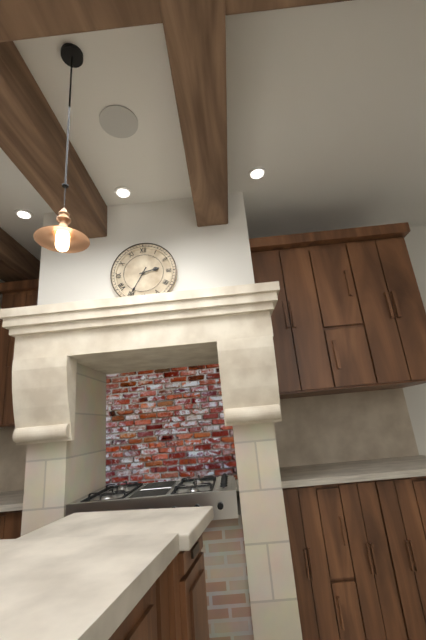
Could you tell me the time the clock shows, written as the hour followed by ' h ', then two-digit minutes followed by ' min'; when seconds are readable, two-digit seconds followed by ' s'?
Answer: 2 h 35 min
